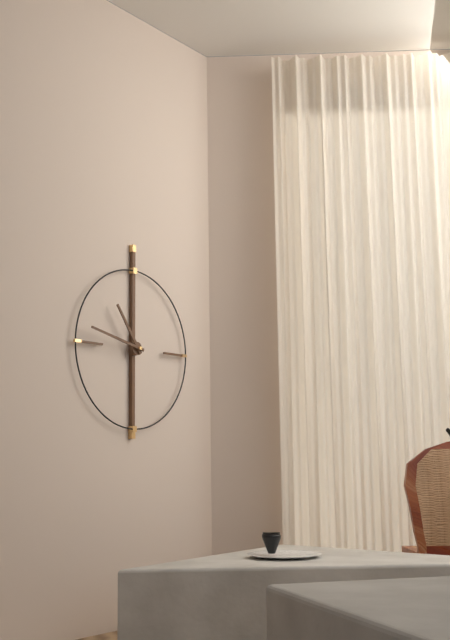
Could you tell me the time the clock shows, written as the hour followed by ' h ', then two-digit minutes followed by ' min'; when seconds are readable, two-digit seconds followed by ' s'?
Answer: 10 h 47 min
